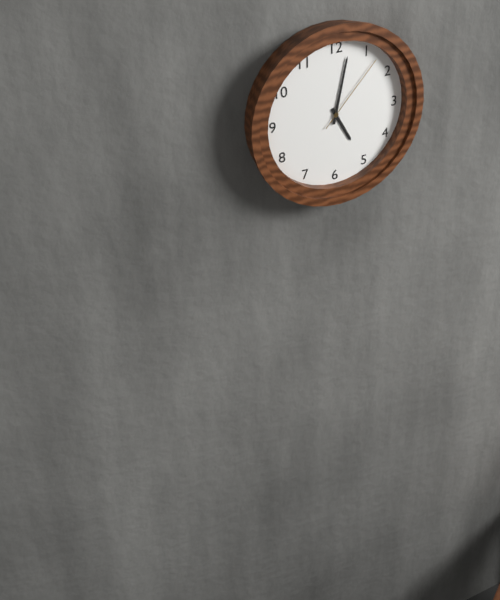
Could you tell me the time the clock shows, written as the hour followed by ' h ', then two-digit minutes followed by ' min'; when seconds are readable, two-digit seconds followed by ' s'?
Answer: 5 h 02 min 07 s
